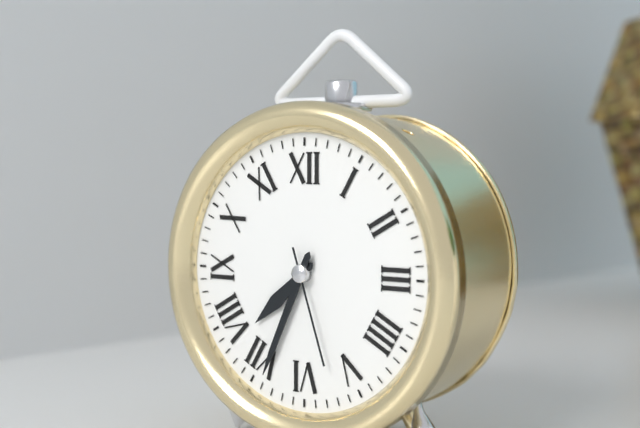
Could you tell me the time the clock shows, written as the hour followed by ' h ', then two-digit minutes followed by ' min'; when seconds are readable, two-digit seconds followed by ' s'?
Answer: 7 h 34 min 27 s
